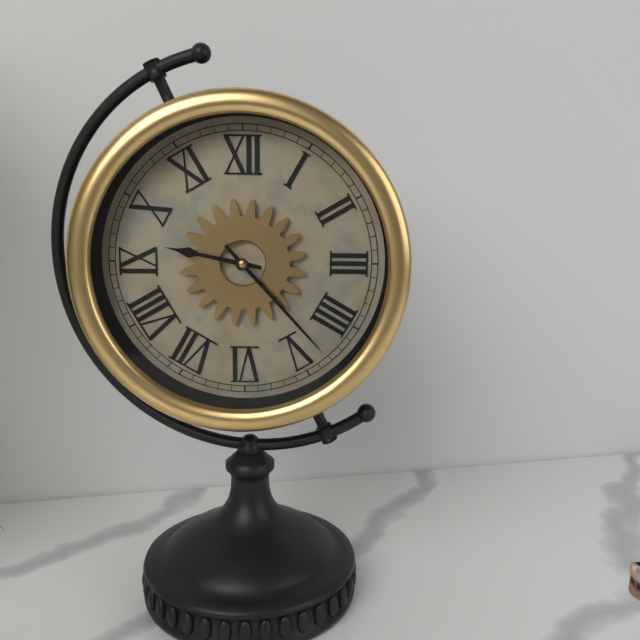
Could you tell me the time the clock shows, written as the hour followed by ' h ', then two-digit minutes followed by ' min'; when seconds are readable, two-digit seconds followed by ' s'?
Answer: 9 h 23 min
